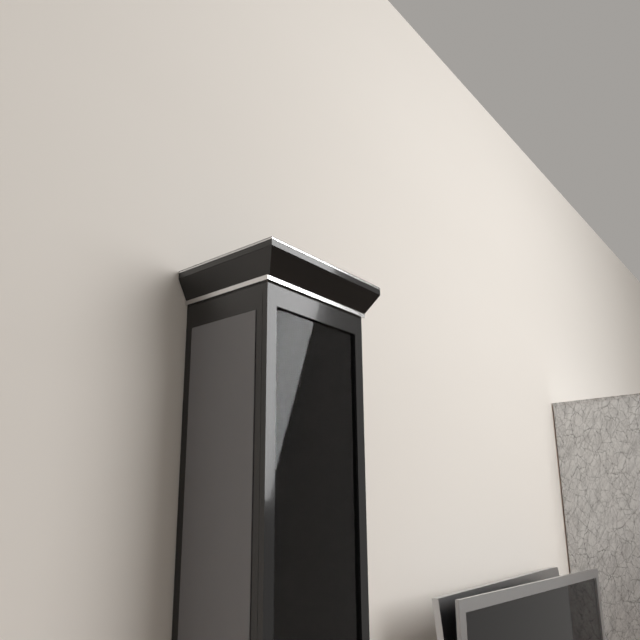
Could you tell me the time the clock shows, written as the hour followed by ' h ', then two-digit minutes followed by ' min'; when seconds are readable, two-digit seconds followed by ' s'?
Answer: 11 h 03 min
